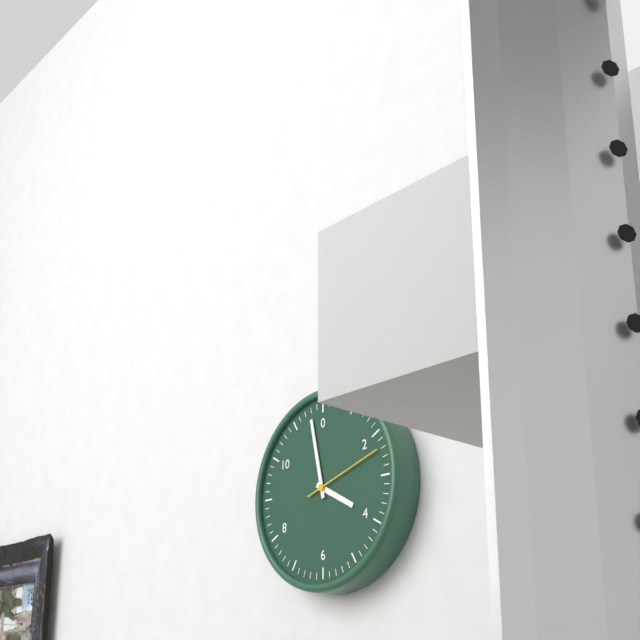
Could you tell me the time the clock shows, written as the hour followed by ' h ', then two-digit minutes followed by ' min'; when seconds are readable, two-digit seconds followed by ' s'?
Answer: 3 h 58 min 12 s
